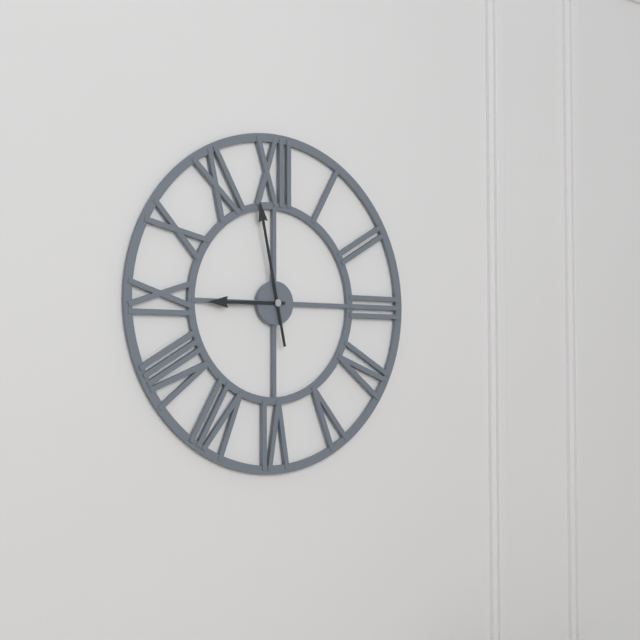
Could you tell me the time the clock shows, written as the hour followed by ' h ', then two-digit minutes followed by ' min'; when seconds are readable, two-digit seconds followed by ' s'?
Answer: 8 h 58 min
